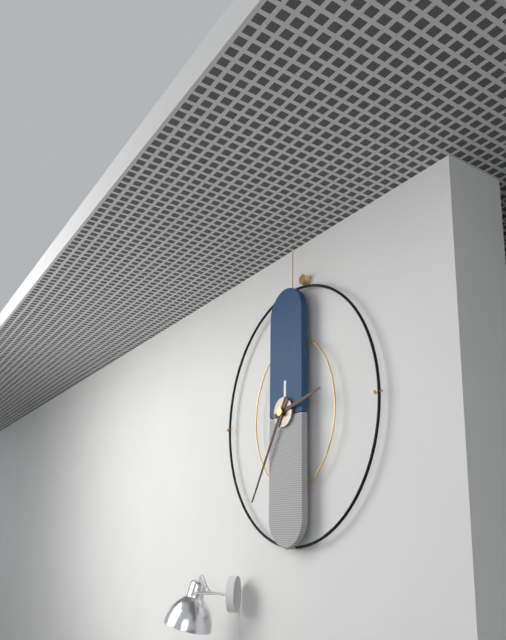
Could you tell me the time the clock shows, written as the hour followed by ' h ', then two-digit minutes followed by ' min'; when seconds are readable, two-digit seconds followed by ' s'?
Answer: 2 h 35 min
